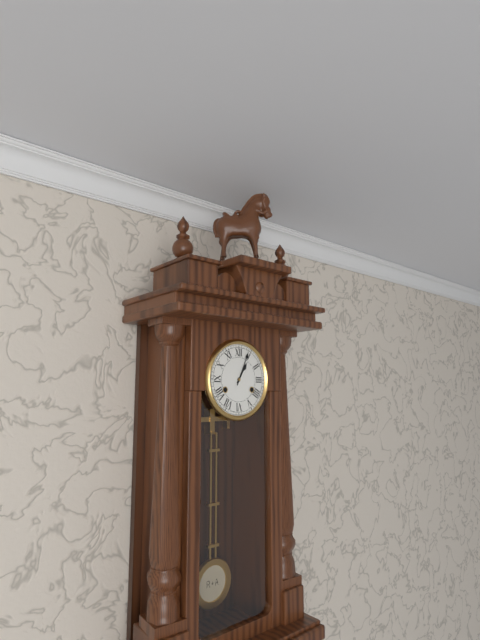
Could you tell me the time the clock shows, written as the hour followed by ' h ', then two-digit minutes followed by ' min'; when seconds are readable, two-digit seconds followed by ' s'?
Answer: 1 h 04 min
